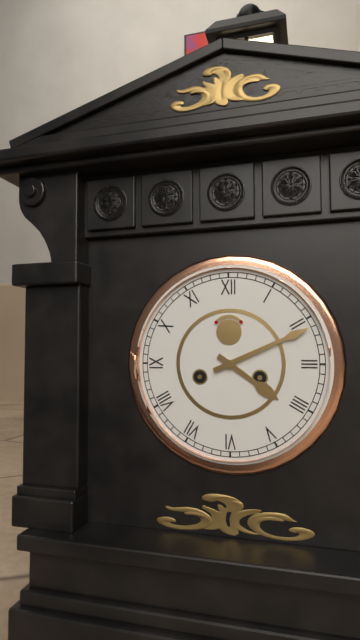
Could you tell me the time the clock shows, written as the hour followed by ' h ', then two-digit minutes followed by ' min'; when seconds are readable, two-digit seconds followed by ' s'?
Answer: 4 h 11 min
